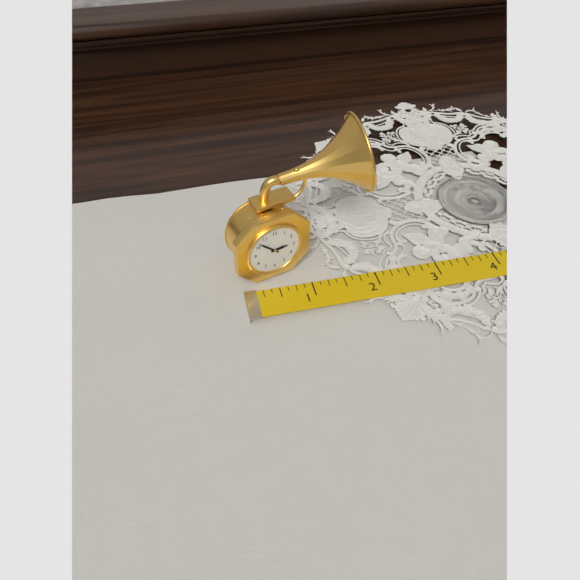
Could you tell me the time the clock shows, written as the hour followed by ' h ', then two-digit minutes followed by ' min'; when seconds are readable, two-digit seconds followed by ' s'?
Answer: 2 h 52 min
